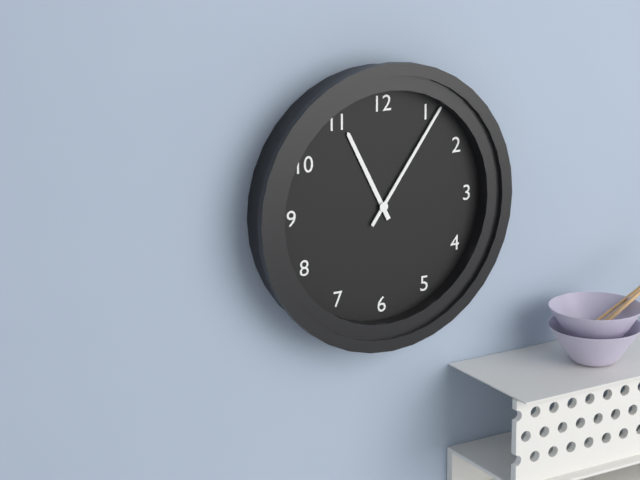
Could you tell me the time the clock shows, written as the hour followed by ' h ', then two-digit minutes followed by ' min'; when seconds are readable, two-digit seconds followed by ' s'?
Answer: 11 h 06 min
